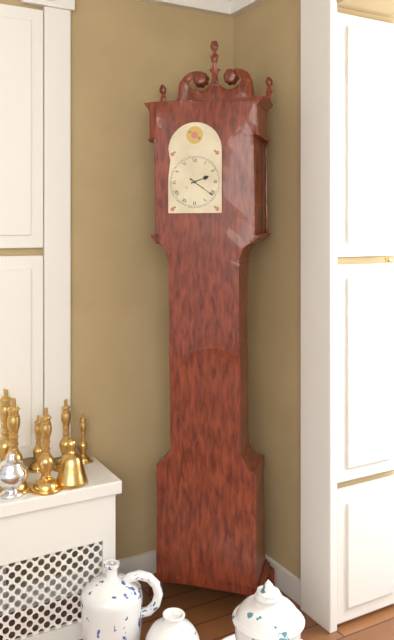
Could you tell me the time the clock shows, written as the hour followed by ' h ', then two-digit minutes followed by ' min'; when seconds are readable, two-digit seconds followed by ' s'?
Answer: 2 h 21 min
